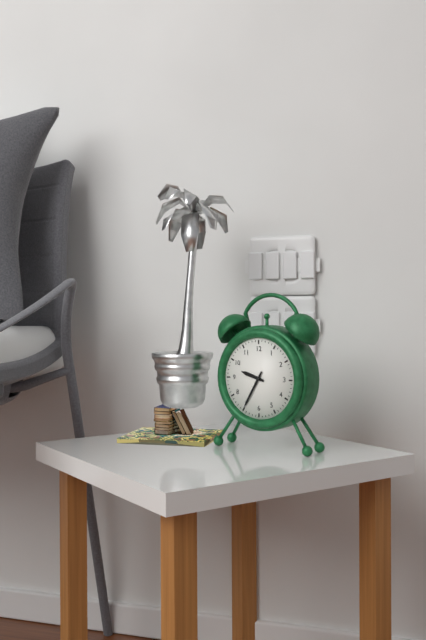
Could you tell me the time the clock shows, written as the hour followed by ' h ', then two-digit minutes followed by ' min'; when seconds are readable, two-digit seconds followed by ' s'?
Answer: 9 h 35 min
